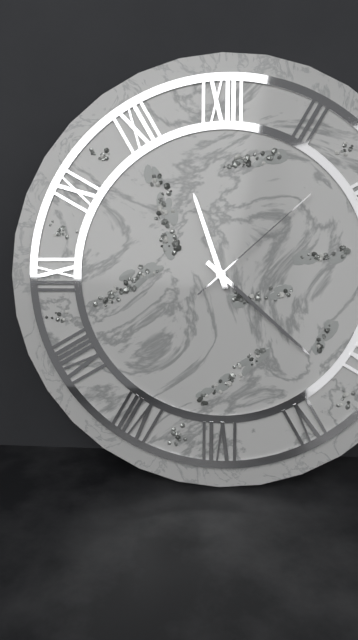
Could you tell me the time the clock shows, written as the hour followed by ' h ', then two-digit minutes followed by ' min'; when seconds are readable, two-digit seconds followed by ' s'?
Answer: 11 h 22 min 08 s
